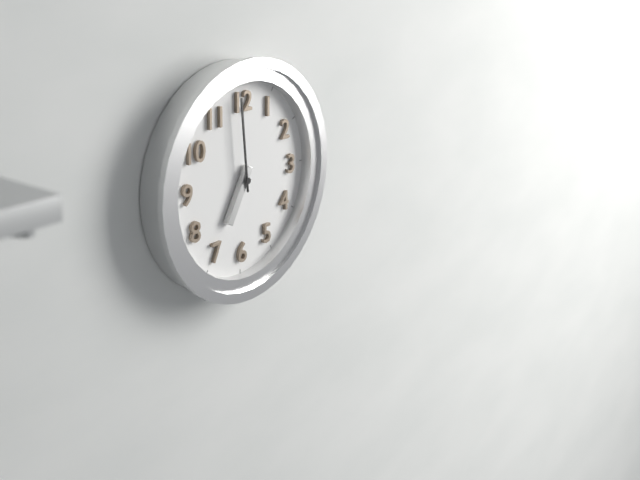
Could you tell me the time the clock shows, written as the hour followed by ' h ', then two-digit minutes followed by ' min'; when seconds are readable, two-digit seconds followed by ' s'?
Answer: 6 h 59 min
